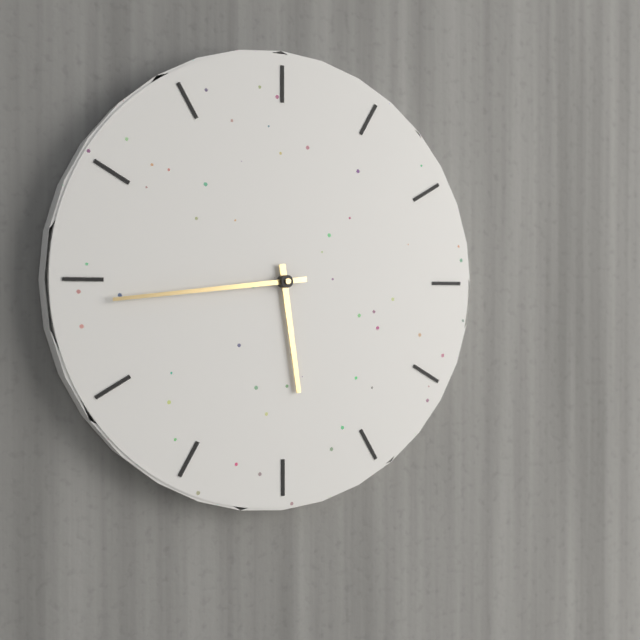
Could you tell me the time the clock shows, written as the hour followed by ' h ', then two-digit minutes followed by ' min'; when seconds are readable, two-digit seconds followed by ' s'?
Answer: 5 h 44 min
